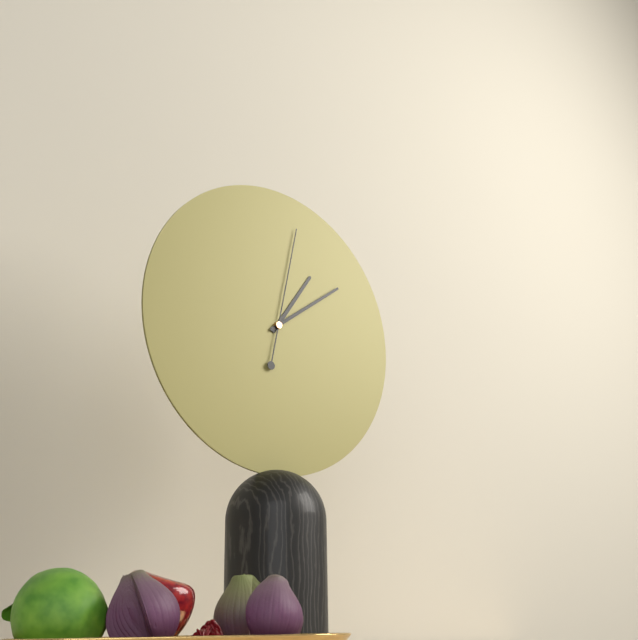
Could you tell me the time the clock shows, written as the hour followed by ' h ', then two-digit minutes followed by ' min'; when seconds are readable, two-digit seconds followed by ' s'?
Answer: 1 h 09 min 02 s
